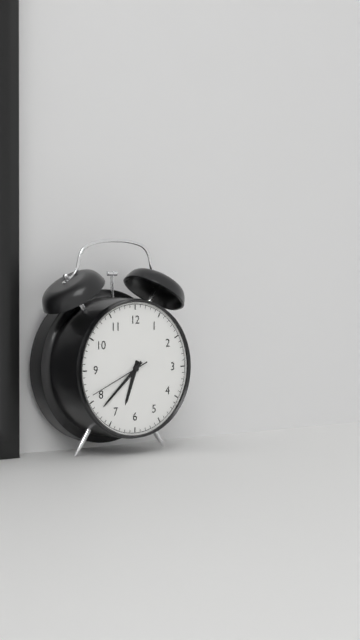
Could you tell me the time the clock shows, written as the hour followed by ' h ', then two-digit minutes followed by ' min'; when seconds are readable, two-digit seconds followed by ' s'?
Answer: 6 h 38 min 41 s
